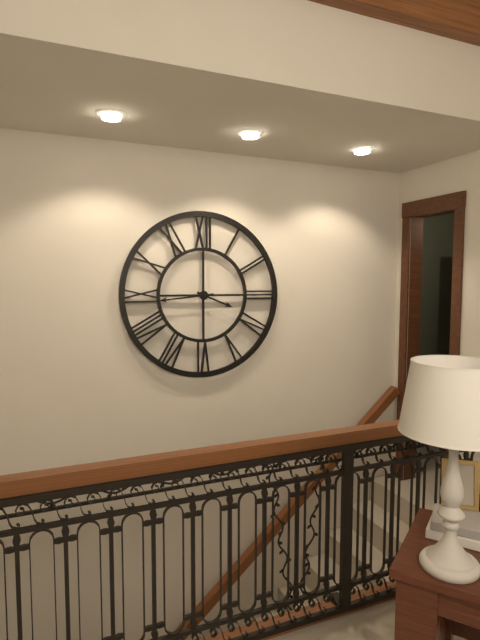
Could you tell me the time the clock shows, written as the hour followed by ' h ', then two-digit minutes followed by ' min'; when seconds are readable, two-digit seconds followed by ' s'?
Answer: 3 h 44 min
